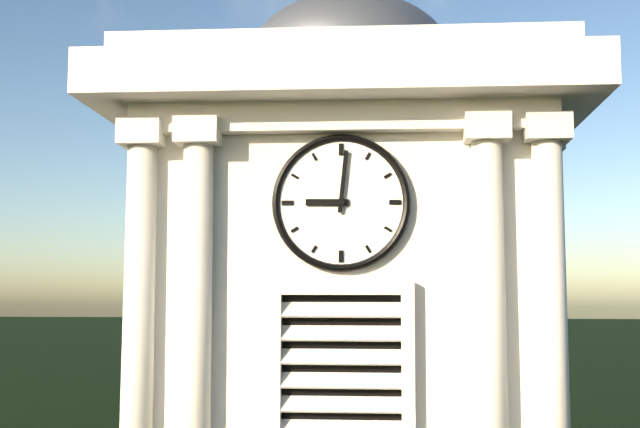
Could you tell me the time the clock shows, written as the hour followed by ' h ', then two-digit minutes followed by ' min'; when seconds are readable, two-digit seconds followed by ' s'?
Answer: 9 h 01 min
